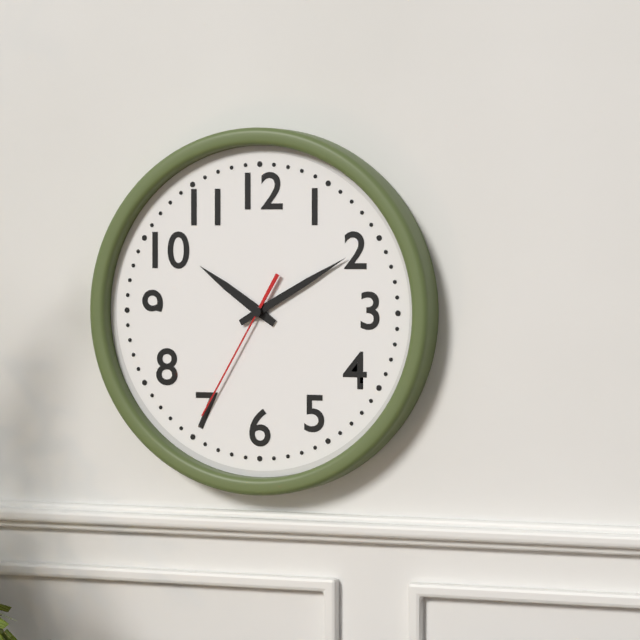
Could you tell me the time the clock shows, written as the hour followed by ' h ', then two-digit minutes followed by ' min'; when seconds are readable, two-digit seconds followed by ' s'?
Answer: 10 h 10 min 35 s
